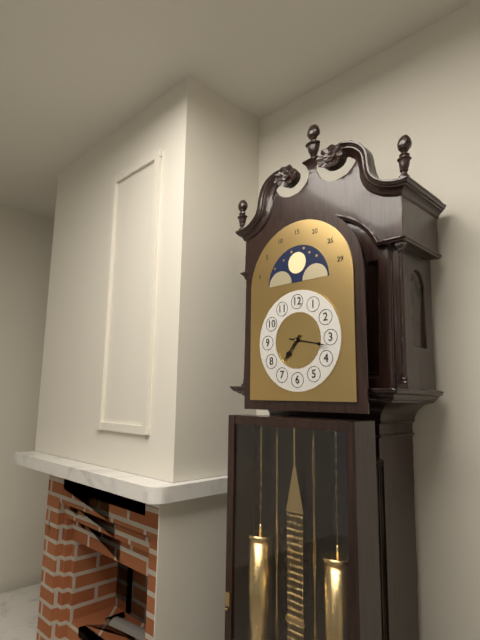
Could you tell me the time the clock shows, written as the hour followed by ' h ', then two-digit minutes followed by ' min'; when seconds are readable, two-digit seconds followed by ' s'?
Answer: 7 h 17 min
